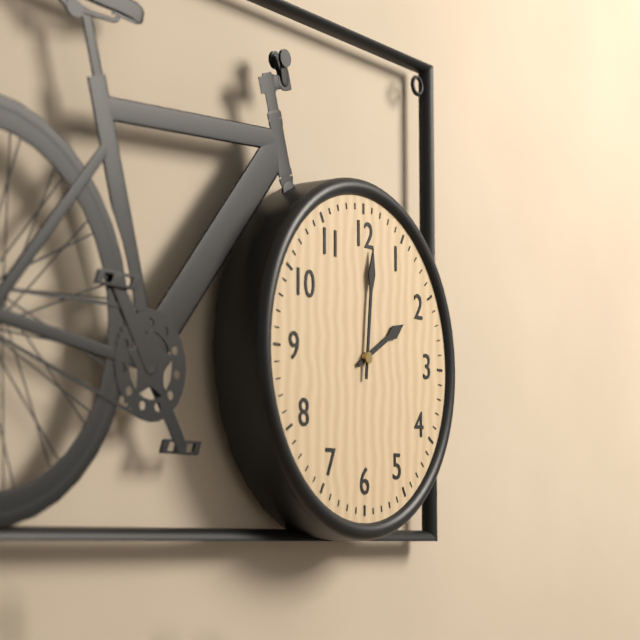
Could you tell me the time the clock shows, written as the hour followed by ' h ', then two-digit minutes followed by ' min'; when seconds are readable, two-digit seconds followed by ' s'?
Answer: 2 h 01 min
